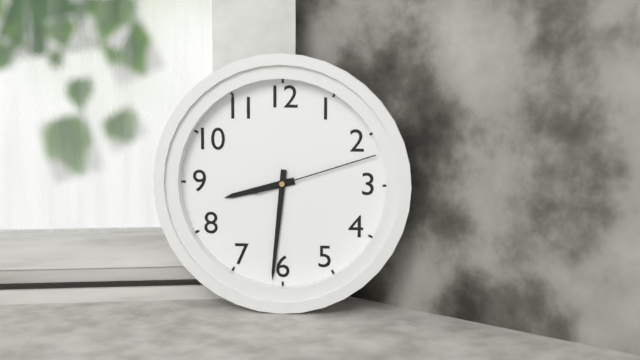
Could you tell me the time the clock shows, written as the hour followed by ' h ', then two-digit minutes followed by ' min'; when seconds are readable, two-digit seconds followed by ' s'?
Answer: 8 h 31 min 12 s
